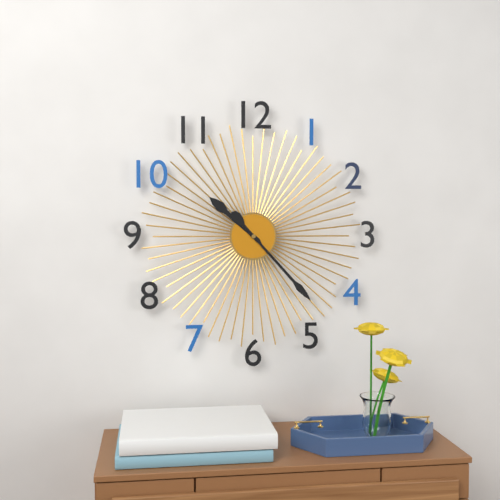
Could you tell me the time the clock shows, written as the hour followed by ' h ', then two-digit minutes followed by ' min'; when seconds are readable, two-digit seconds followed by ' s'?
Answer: 10 h 23 min
